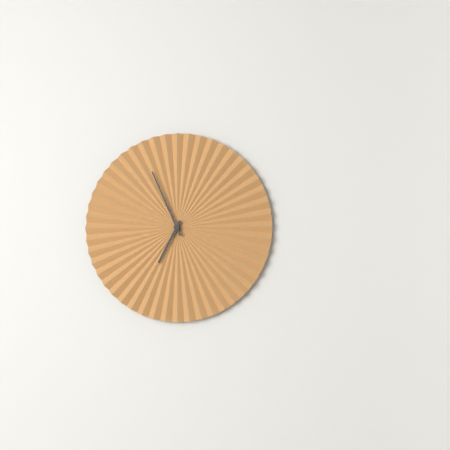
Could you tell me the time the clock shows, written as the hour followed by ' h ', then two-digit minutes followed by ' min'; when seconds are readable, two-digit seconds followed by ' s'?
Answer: 6 h 56 min
